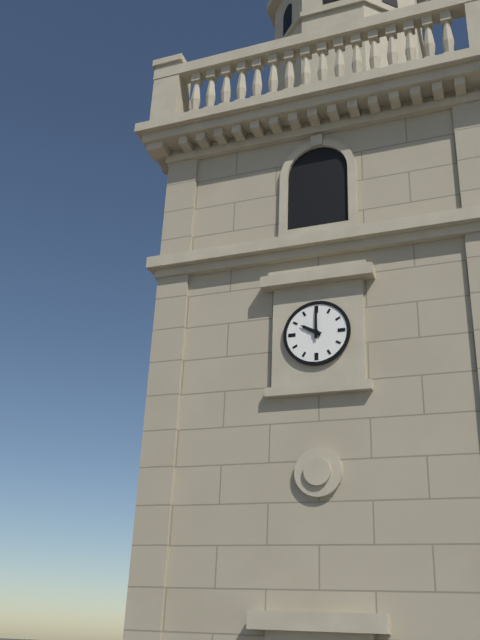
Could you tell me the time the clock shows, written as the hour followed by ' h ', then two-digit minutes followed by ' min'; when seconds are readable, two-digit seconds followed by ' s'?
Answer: 10 h 00 min
